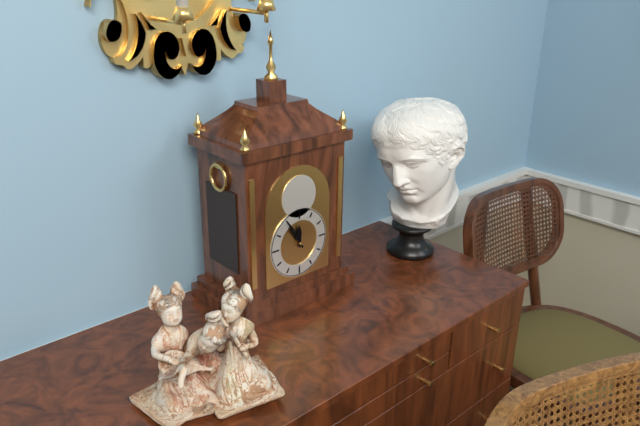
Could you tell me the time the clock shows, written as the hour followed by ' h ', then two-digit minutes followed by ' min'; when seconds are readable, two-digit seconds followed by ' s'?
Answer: 11 h 55 min
